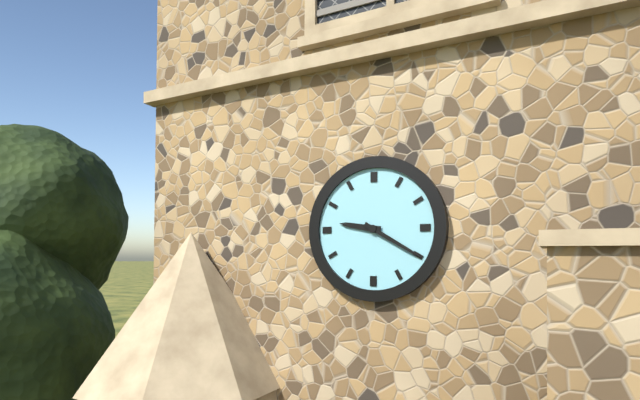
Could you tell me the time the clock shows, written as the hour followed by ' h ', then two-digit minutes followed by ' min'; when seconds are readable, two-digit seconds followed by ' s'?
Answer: 9 h 20 min
